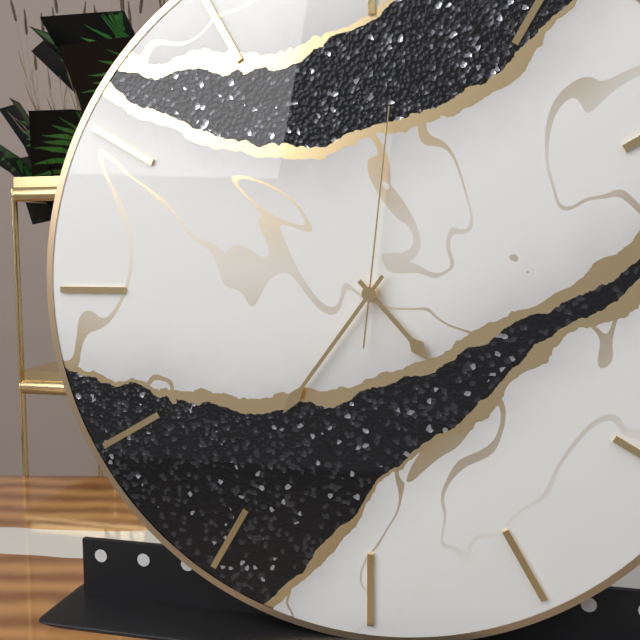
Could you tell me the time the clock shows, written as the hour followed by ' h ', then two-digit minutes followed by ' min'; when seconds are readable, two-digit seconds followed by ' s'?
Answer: 4 h 36 min 01 s
